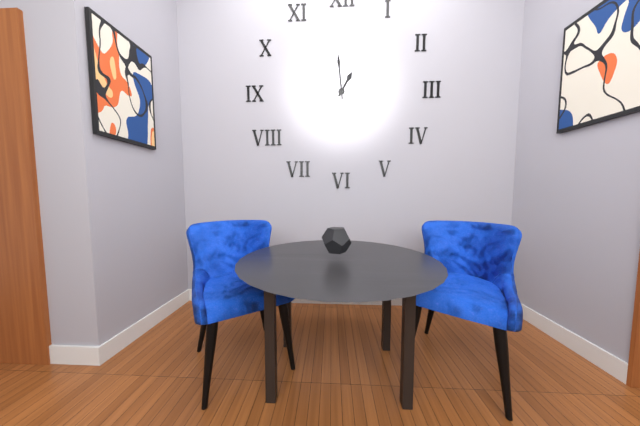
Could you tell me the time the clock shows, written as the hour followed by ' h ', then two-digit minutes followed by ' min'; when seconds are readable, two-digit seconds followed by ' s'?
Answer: 12 h 59 min
